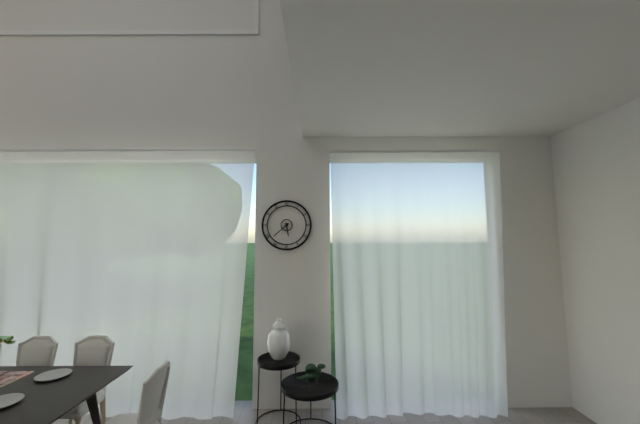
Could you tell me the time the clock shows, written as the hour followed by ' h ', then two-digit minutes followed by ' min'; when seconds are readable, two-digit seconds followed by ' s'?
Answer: 5 h 38 min
